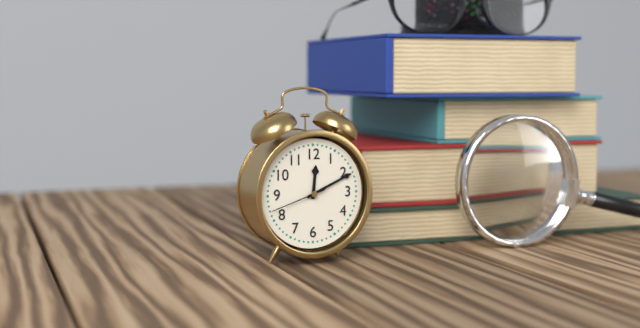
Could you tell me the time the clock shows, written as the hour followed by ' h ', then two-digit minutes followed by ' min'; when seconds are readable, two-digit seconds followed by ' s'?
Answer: 12 h 11 min 42 s
